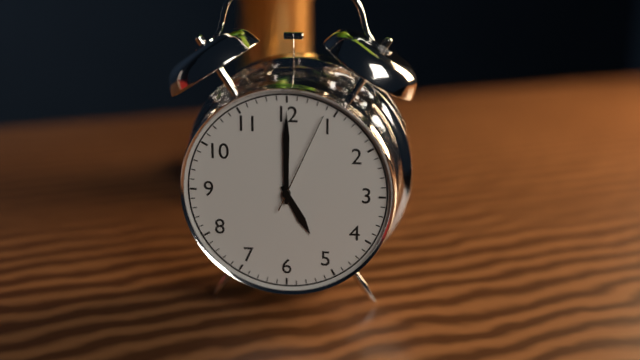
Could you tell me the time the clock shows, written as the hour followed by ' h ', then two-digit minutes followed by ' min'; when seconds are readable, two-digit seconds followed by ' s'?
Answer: 5 h 00 min 04 s
